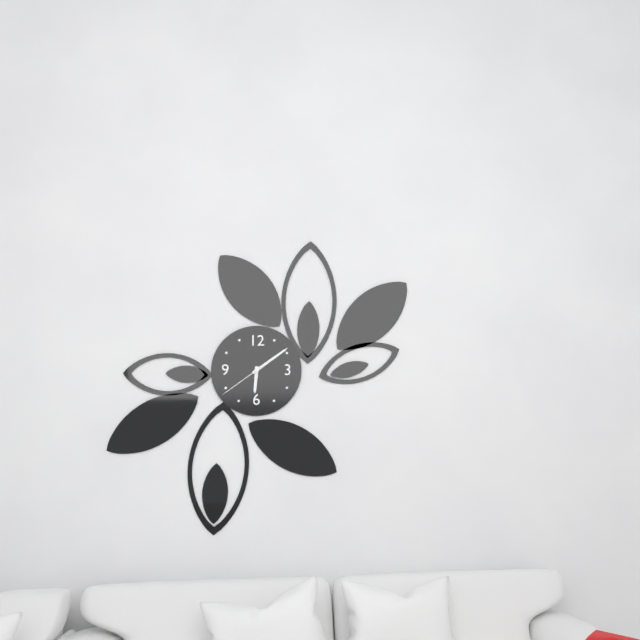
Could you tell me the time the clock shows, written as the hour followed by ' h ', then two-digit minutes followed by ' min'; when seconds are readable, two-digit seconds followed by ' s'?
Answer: 6 h 09 min 39 s
